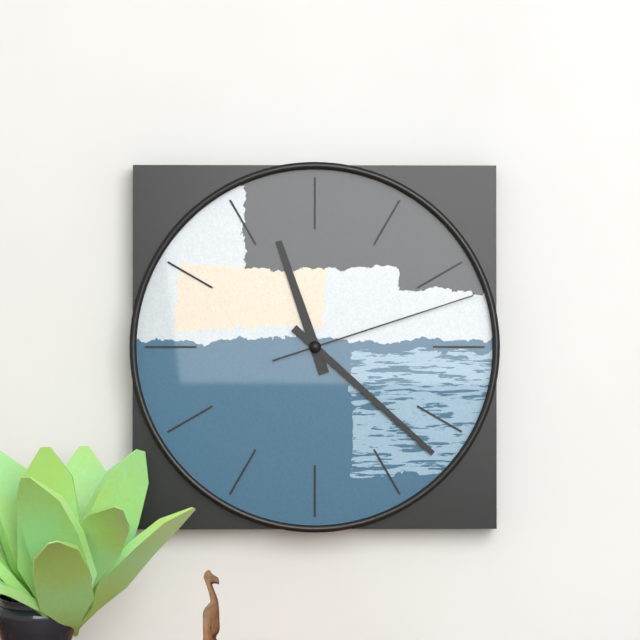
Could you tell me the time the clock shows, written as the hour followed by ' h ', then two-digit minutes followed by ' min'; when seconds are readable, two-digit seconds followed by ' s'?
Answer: 11 h 22 min 12 s
